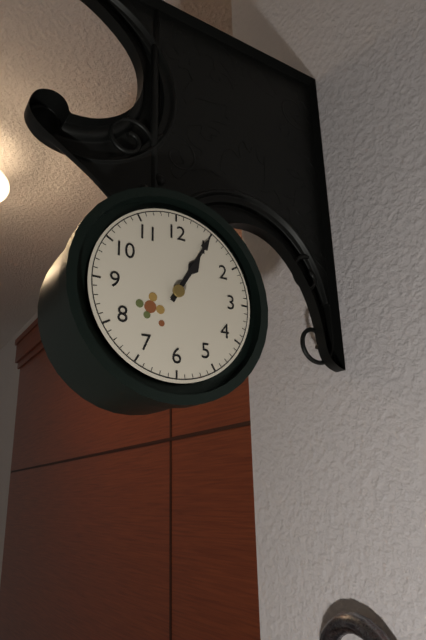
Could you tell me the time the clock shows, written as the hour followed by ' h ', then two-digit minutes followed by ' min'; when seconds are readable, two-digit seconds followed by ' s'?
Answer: 1 h 05 min
